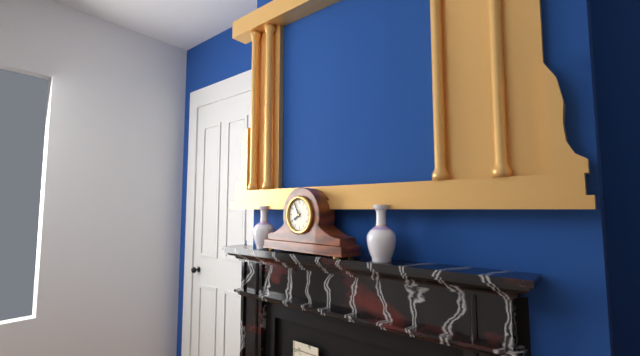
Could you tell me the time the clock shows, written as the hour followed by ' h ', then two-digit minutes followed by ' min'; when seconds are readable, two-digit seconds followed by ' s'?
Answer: 7 h 55 min
